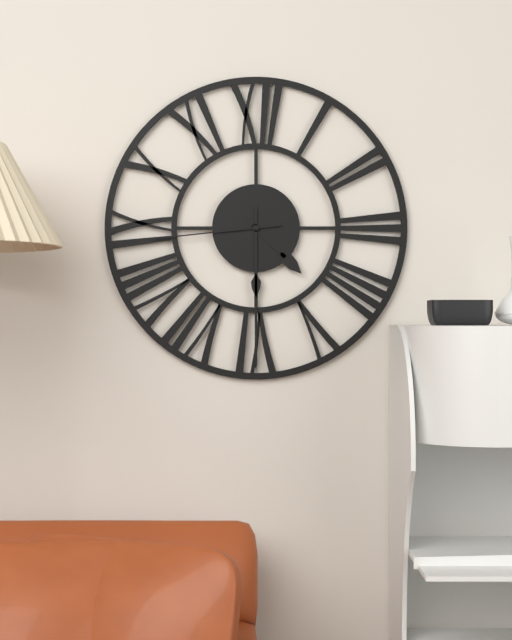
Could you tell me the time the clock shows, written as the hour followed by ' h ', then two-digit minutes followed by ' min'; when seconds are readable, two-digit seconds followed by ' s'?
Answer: 4 h 30 min 44 s
